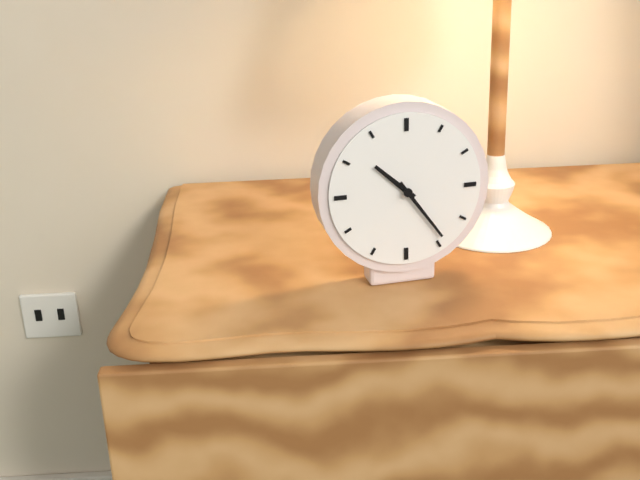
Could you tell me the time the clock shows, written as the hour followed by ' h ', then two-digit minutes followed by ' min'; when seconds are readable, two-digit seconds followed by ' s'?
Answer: 10 h 24 min
